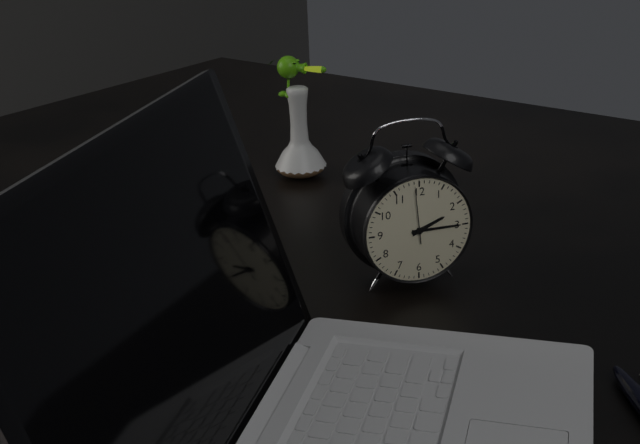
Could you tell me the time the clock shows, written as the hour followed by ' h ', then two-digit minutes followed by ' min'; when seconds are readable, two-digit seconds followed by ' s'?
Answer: 2 h 15 min
